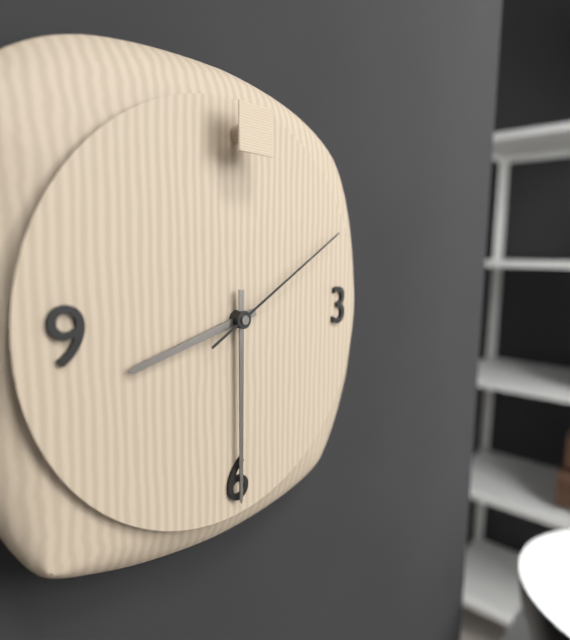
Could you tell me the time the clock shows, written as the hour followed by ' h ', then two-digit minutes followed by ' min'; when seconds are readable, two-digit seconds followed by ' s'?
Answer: 8 h 30 min 10 s
